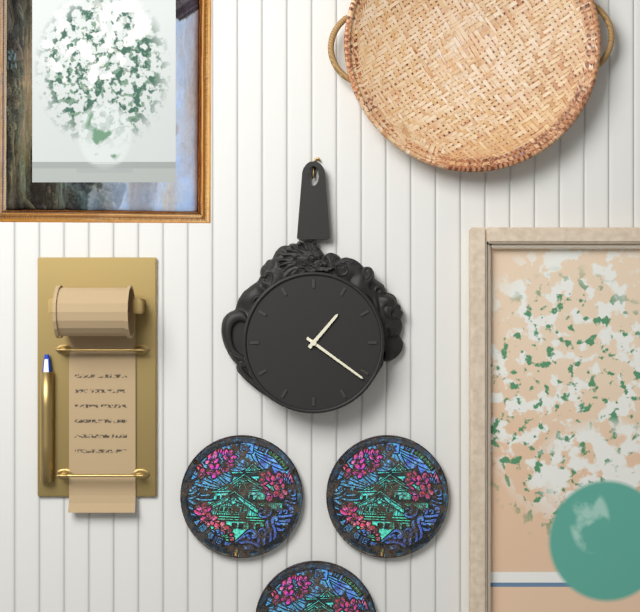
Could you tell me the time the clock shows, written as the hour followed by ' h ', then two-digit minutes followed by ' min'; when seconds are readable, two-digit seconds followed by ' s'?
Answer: 1 h 21 min
